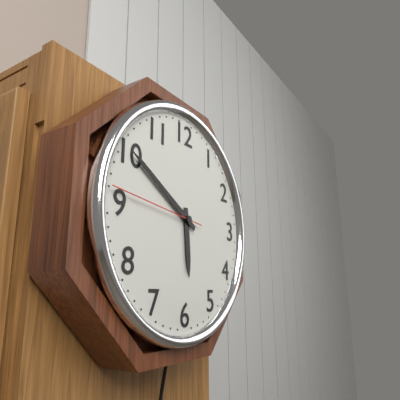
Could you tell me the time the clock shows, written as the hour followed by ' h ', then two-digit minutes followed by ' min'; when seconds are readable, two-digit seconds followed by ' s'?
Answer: 5 h 50 min 46 s
